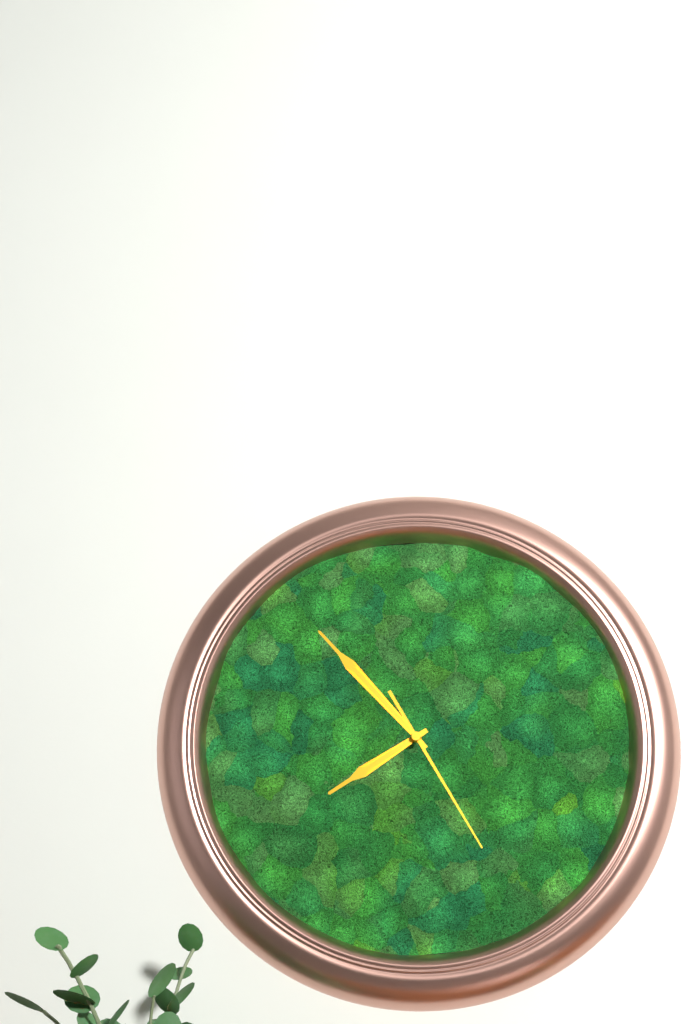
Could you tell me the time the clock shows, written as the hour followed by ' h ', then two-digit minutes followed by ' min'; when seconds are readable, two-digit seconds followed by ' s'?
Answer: 7 h 53 min 25 s
